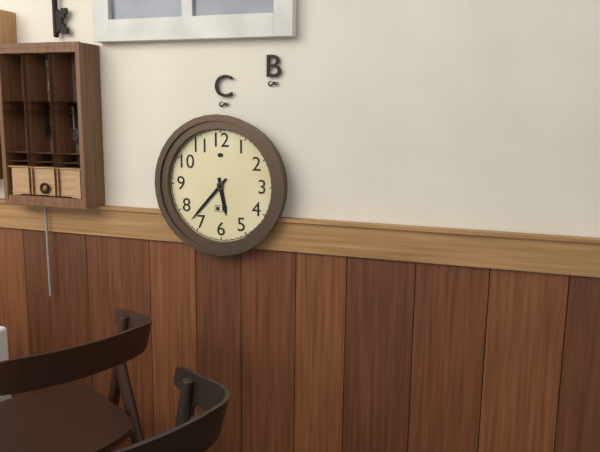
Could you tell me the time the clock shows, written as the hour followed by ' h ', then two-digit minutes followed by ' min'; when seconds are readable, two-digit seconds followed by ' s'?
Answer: 5 h 37 min
